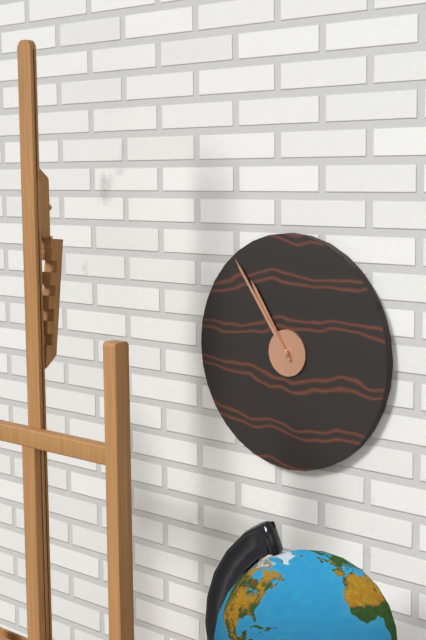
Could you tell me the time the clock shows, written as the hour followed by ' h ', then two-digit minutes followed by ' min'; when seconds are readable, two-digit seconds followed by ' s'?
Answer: 10 h 54 min
